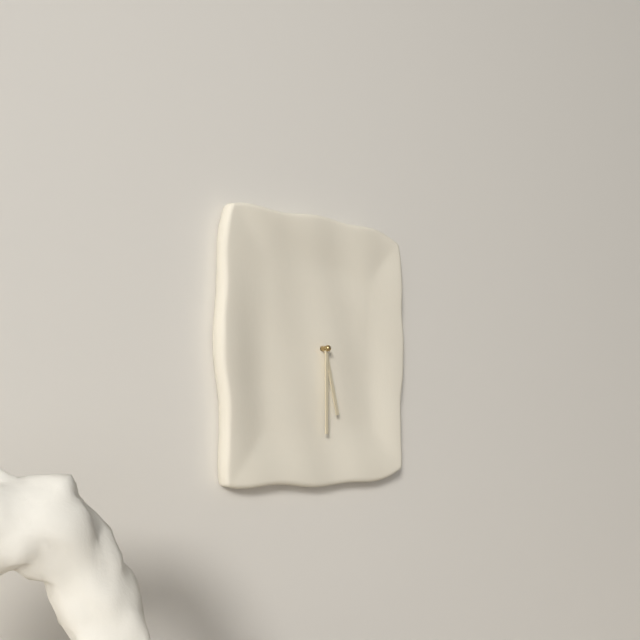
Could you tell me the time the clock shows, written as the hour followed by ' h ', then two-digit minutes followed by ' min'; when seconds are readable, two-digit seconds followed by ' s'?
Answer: 5 h 30 min
